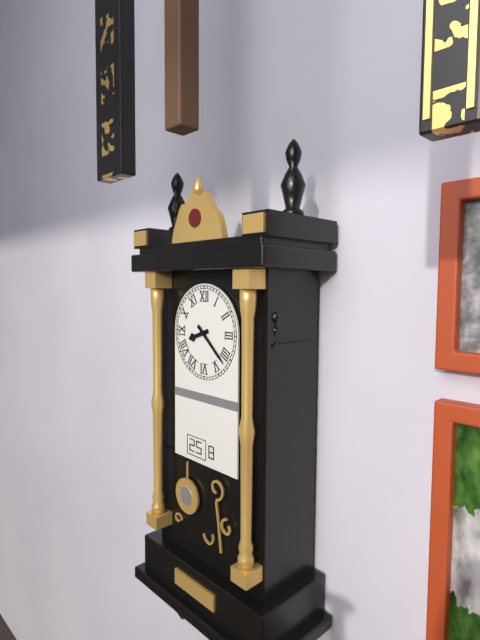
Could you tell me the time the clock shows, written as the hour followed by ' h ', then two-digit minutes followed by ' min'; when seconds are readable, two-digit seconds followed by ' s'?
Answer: 8 h 22 min
